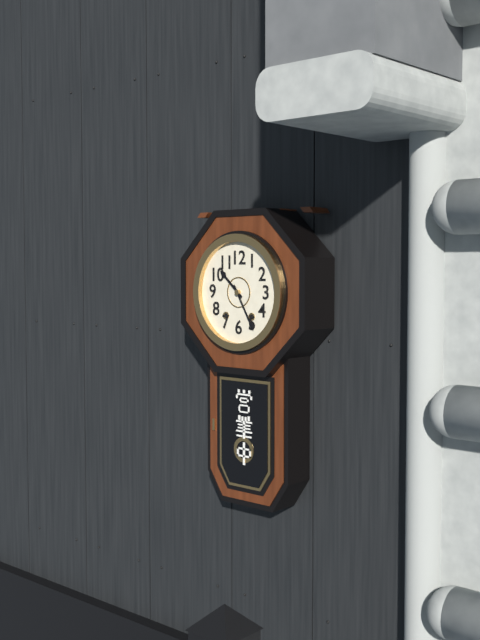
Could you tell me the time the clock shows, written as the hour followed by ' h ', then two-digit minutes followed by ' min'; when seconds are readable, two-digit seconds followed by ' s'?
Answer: 10 h 25 min
